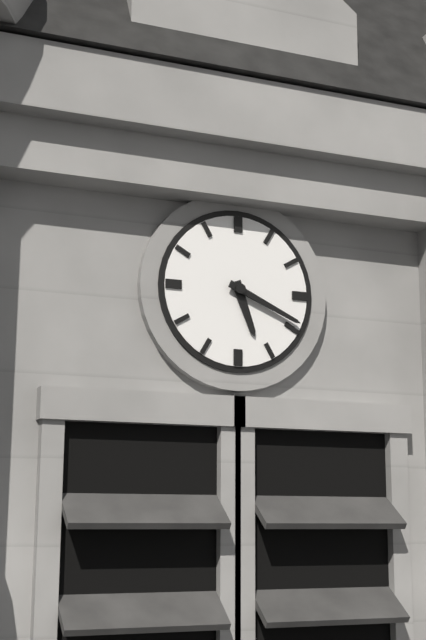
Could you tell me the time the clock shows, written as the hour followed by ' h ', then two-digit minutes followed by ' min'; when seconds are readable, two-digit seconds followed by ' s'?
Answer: 5 h 19 min
